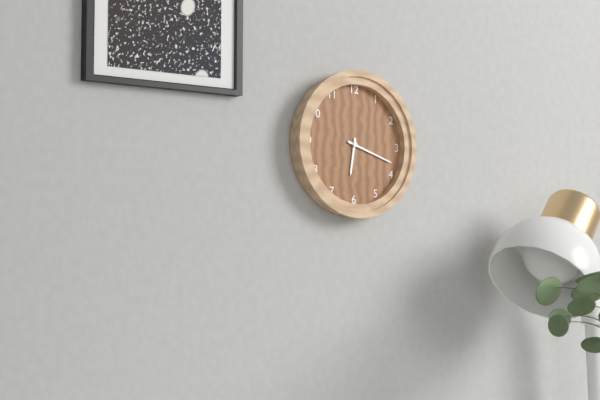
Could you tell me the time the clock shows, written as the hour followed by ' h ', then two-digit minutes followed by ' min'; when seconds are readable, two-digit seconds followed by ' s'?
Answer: 6 h 18 min
